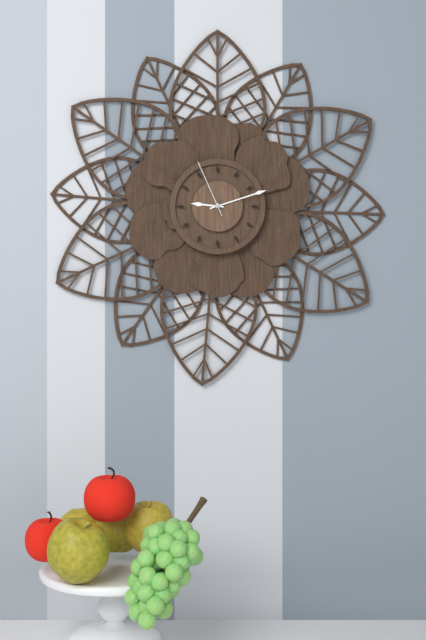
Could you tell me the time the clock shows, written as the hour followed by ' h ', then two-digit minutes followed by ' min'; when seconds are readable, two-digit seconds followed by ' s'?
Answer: 9 h 12 min 56 s
